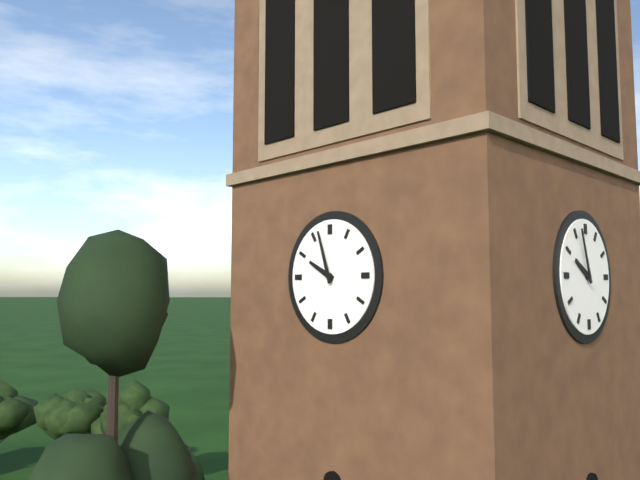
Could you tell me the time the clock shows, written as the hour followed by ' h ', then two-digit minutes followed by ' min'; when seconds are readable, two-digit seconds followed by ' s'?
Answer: 9 h 57 min
